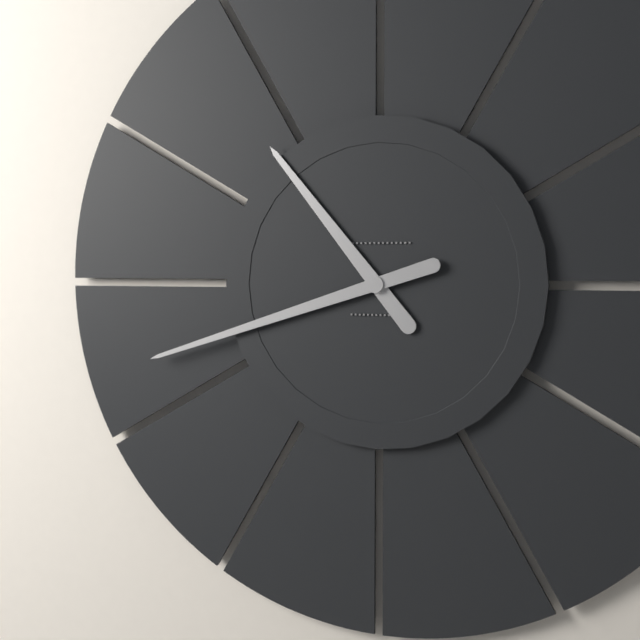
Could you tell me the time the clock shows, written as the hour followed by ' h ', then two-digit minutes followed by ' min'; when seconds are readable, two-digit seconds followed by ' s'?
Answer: 10 h 42 min
